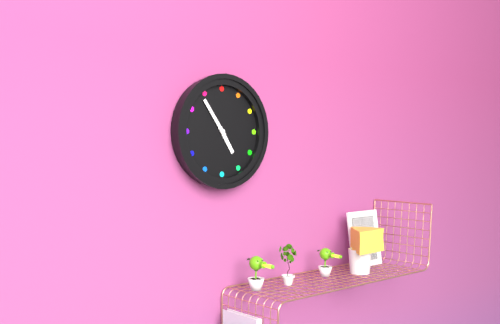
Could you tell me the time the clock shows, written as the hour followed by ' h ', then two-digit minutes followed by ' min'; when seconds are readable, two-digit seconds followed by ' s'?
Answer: 4 h 54 min
